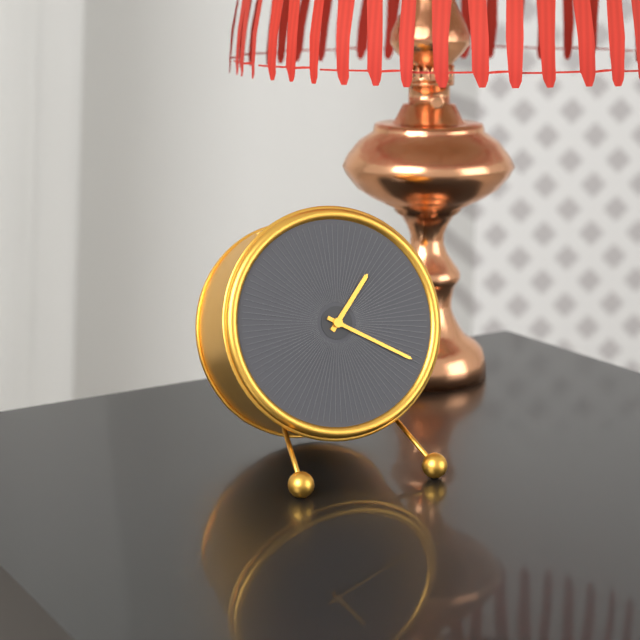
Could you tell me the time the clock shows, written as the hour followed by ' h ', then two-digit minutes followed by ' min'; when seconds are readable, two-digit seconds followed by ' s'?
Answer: 1 h 20 min
